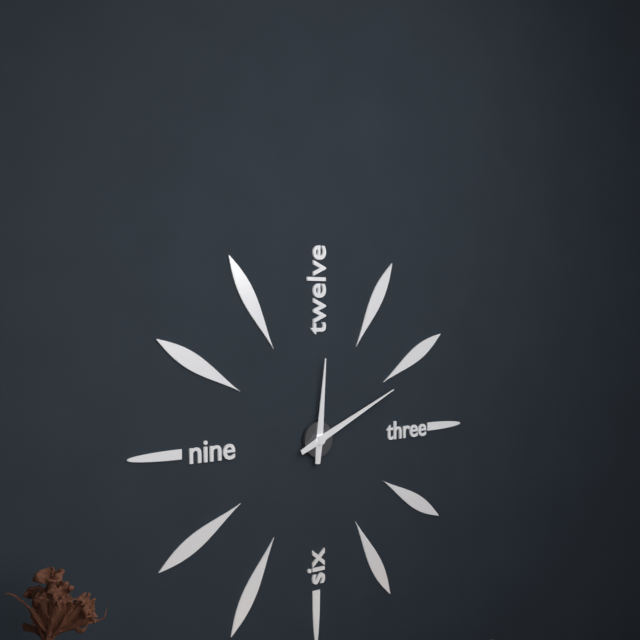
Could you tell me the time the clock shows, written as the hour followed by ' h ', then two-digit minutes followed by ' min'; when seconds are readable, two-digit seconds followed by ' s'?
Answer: 12 h 11 min
